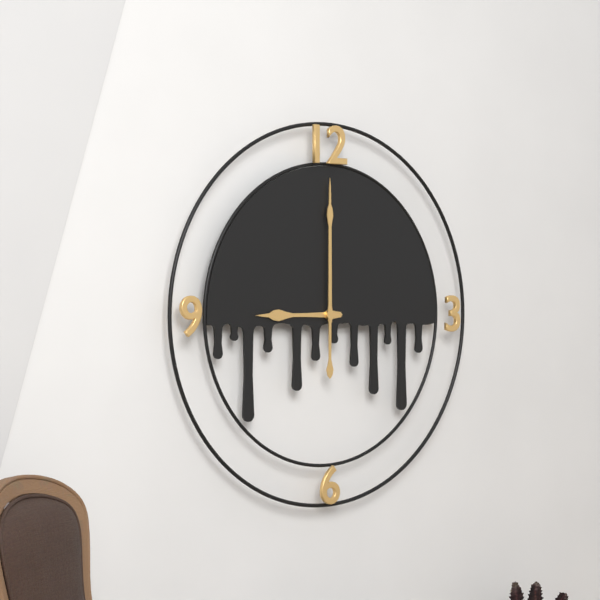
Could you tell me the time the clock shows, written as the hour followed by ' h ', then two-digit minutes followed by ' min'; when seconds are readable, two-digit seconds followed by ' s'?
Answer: 9 h 00 min
